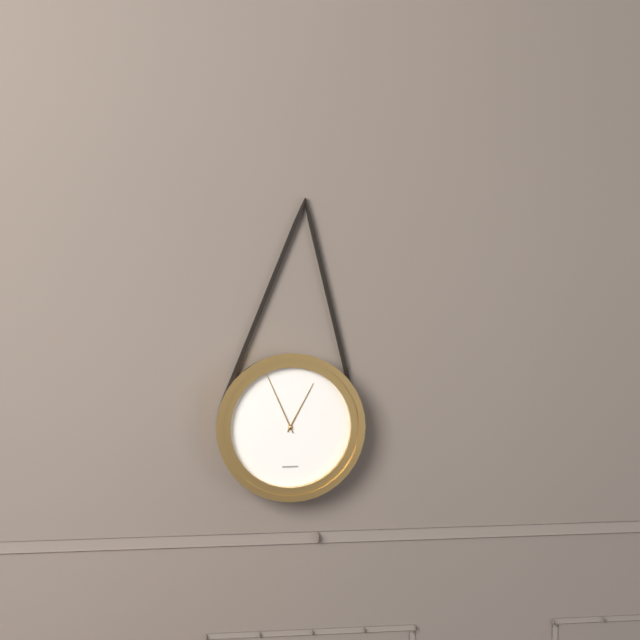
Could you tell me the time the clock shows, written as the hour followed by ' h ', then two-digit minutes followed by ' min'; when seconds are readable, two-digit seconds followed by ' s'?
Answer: 12 h 56 min
